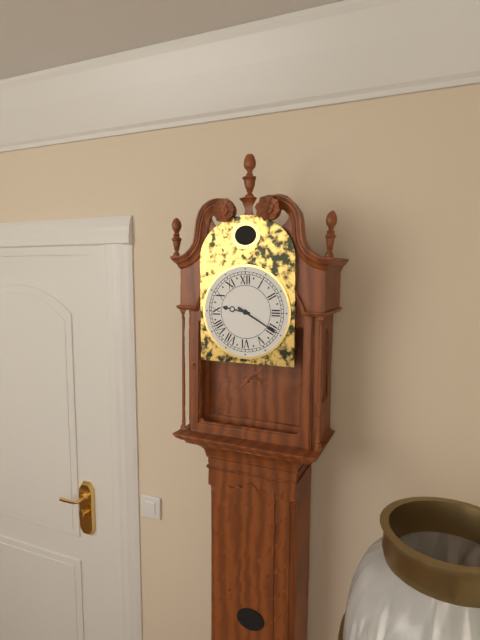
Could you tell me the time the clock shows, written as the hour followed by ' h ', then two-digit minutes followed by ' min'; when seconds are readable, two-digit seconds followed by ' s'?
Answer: 9 h 20 min
